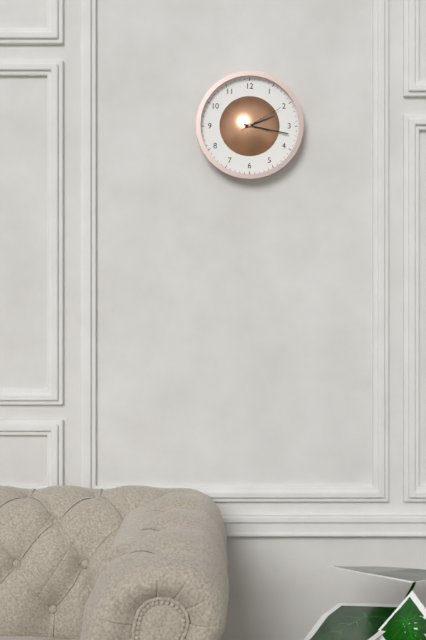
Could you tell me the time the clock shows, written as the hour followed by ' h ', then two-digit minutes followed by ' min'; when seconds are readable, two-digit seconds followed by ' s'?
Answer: 2 h 17 min
